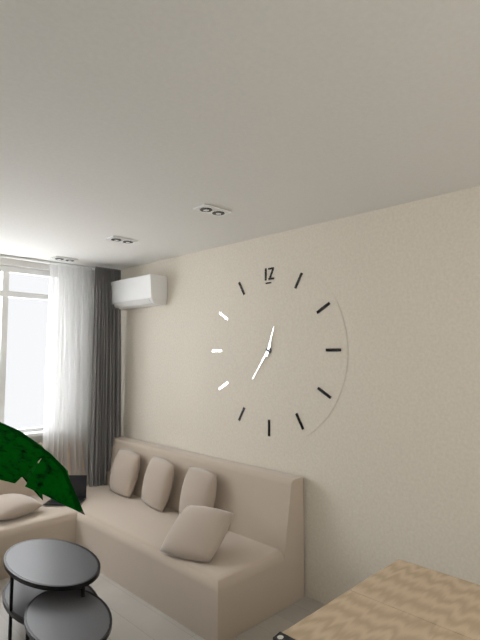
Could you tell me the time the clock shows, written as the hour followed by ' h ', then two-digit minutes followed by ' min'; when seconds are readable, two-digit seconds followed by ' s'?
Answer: 12 h 36 min
